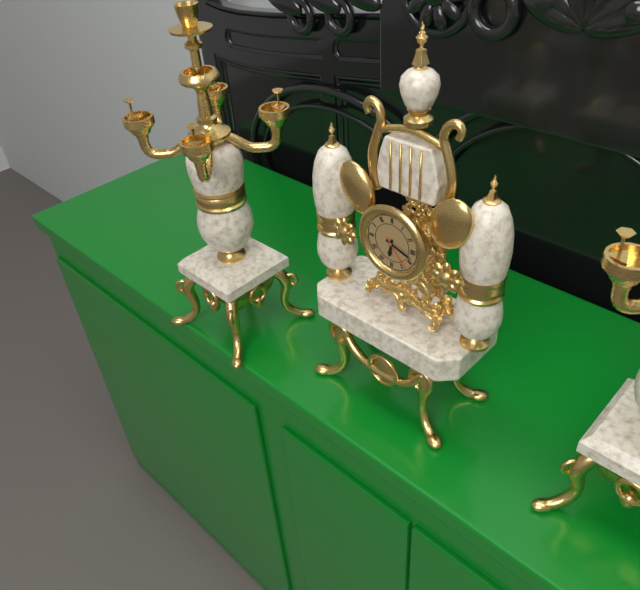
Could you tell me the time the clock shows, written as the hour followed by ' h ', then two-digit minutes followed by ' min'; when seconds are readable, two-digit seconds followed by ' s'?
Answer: 6 h 18 min
